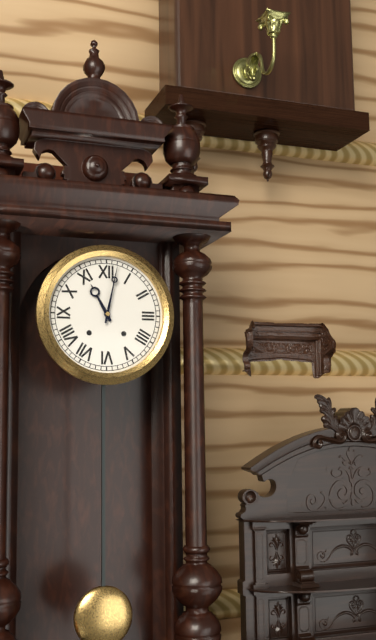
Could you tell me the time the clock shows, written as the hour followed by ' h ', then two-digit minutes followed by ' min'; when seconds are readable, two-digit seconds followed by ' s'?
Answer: 11 h 02 min
